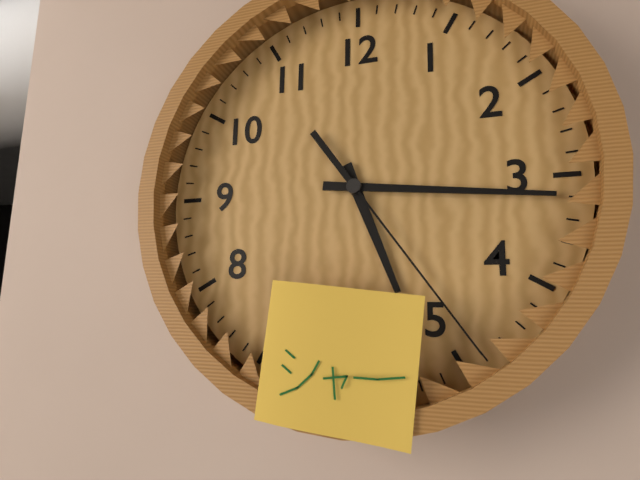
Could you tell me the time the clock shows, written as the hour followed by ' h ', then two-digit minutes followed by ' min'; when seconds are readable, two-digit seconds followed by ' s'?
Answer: 5 h 16 min 24 s
